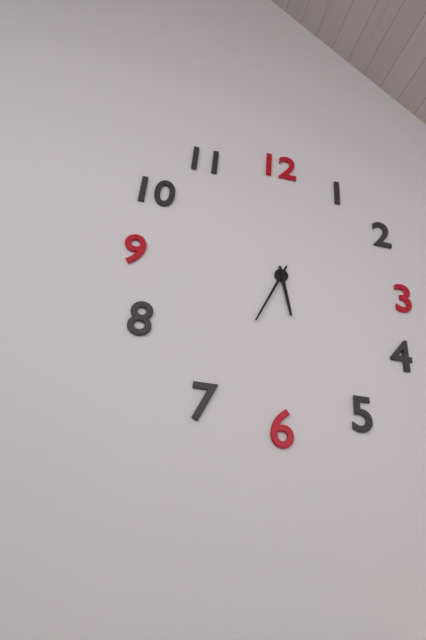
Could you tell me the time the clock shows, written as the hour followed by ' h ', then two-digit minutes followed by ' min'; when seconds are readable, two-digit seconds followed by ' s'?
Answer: 5 h 34 min
